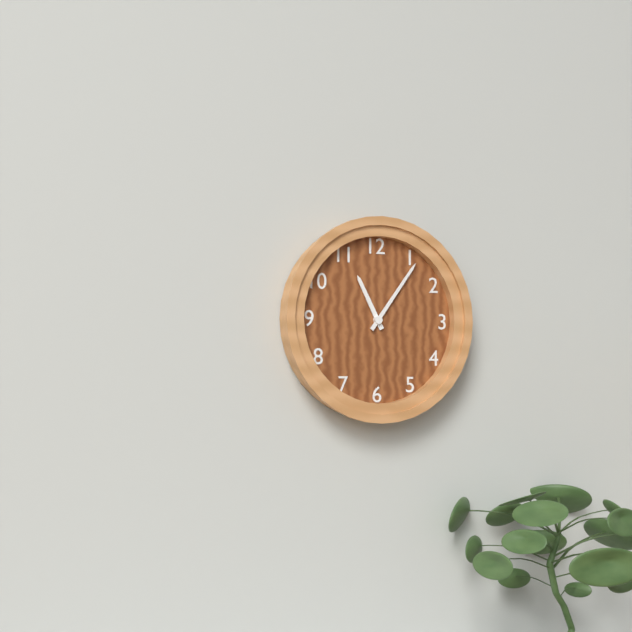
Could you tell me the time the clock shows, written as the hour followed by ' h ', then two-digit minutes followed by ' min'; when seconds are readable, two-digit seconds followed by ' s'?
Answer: 11 h 06 min
